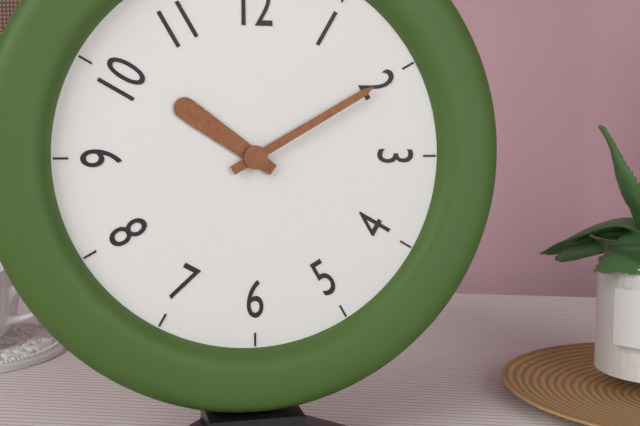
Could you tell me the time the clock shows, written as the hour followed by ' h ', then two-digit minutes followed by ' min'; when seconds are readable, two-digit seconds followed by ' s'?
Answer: 10 h 10 min
